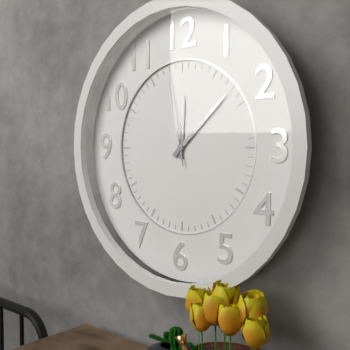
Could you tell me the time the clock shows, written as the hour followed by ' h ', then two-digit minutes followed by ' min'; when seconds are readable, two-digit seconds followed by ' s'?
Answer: 12 h 08 min 58 s
